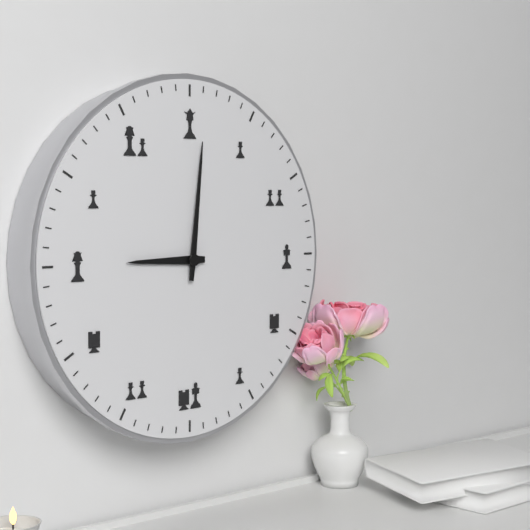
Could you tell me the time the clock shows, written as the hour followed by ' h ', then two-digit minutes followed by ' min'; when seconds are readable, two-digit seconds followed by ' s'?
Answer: 9 h 01 min
